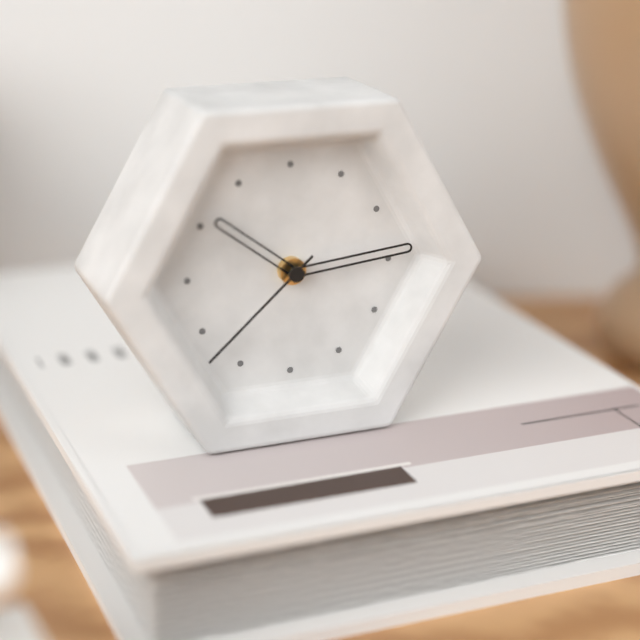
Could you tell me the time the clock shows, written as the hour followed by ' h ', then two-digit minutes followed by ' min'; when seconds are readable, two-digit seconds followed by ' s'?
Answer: 10 h 14 min 38 s
